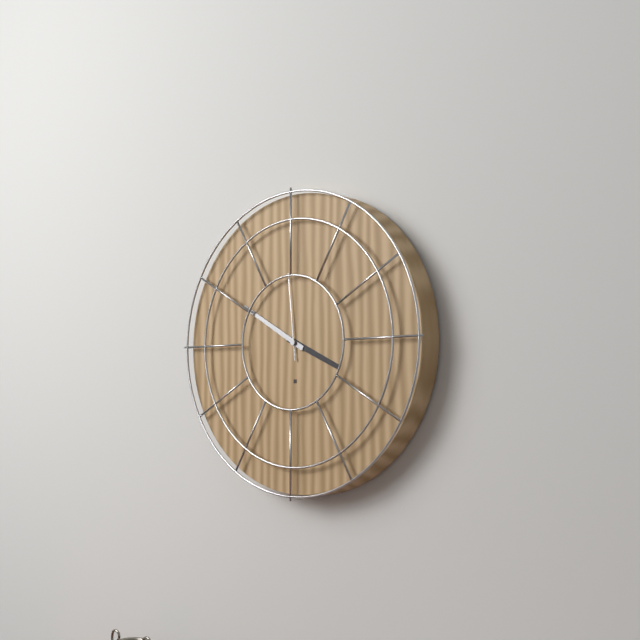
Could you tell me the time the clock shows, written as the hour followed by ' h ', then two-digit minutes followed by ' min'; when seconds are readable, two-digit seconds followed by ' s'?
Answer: 3 h 50 min 59 s
